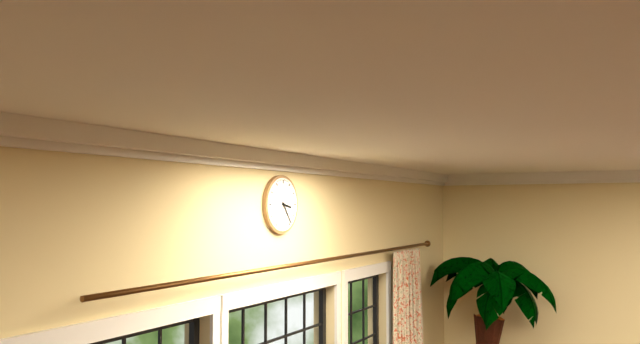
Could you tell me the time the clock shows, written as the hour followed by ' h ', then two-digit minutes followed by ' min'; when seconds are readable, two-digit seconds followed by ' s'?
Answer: 3 h 24 min
